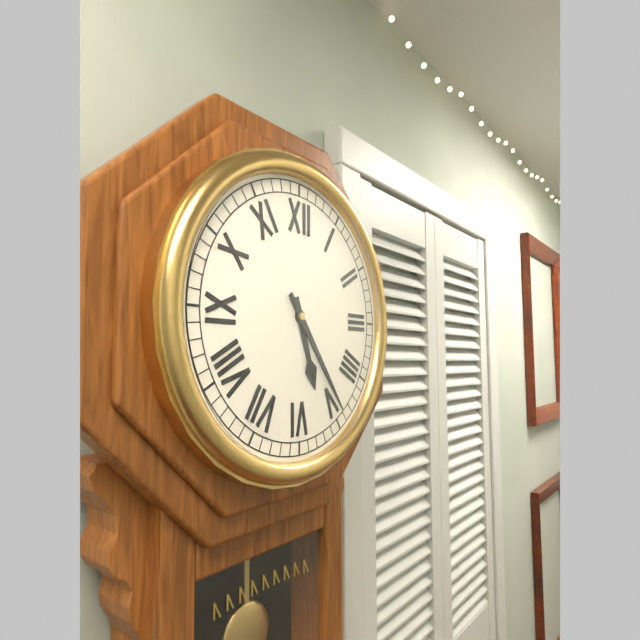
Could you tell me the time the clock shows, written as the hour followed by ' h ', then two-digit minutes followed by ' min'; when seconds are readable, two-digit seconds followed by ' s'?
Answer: 5 h 24 min
